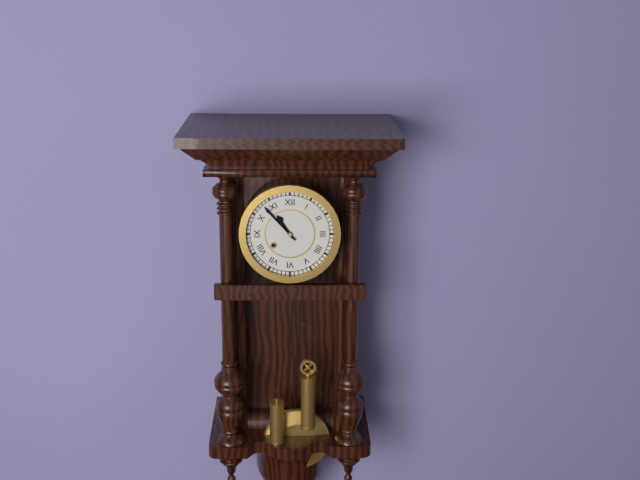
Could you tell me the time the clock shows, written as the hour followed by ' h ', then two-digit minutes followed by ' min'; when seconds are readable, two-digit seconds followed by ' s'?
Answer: 10 h 53 min
